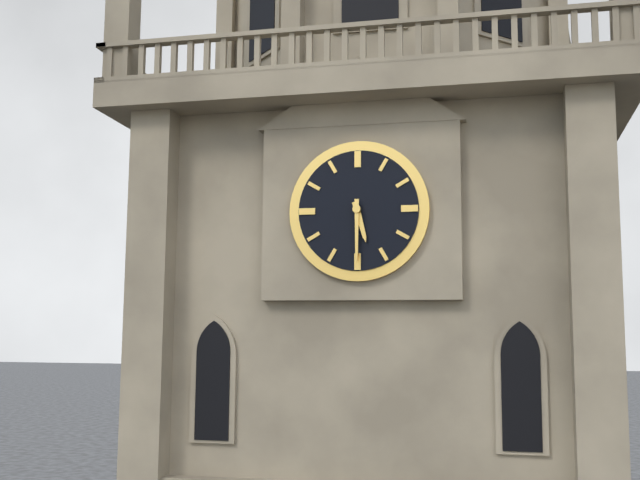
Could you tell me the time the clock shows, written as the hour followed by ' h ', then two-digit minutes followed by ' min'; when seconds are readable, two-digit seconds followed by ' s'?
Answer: 5 h 30 min
